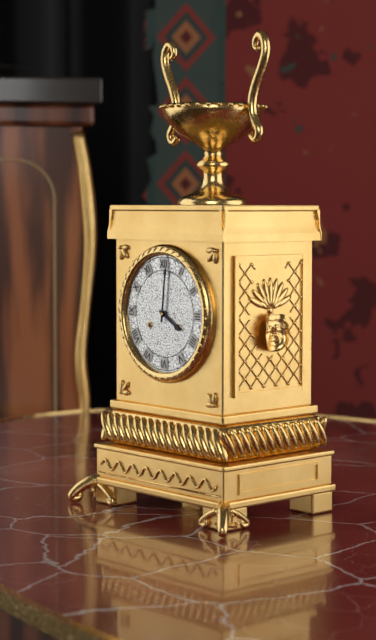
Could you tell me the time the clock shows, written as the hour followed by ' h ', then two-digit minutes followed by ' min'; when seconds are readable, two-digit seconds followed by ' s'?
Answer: 4 h 01 min
